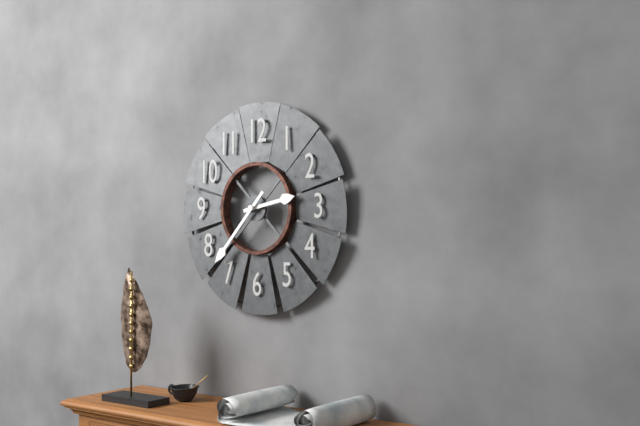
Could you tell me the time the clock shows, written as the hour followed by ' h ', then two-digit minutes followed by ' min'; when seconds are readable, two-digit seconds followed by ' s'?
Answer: 2 h 37 min
